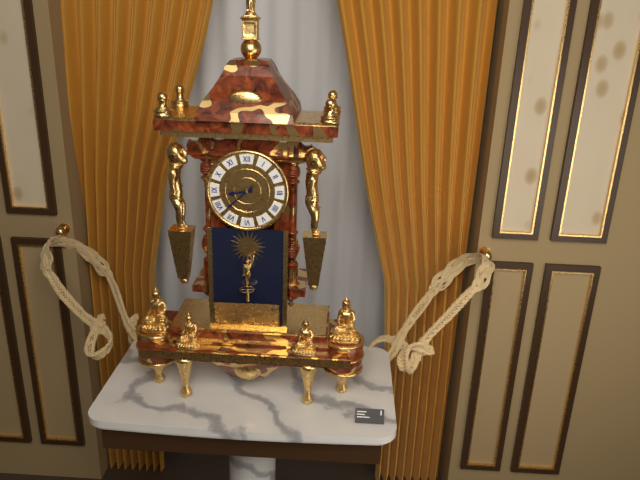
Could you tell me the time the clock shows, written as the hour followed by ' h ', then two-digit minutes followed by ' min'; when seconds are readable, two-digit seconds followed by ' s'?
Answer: 8 h 38 min
